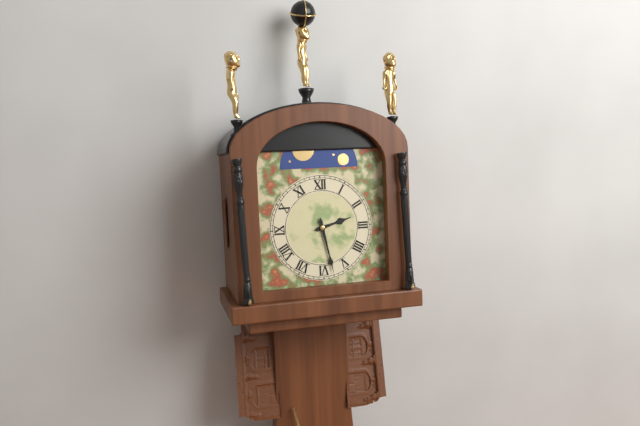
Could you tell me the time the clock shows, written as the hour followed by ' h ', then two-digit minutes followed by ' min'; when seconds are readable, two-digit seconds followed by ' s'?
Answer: 2 h 28 min
